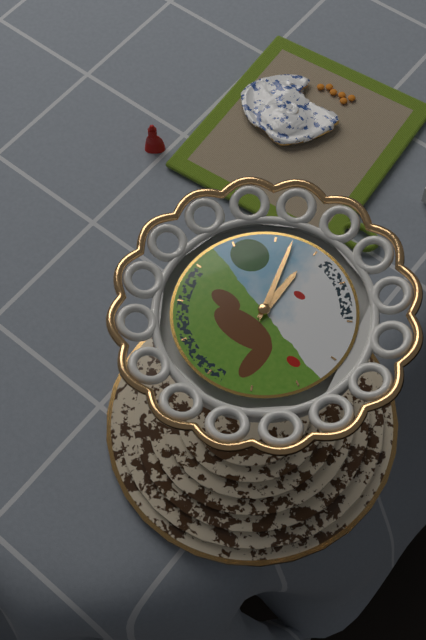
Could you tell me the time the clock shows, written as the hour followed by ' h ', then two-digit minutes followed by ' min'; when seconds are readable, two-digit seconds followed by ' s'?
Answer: 11 h 57 min
